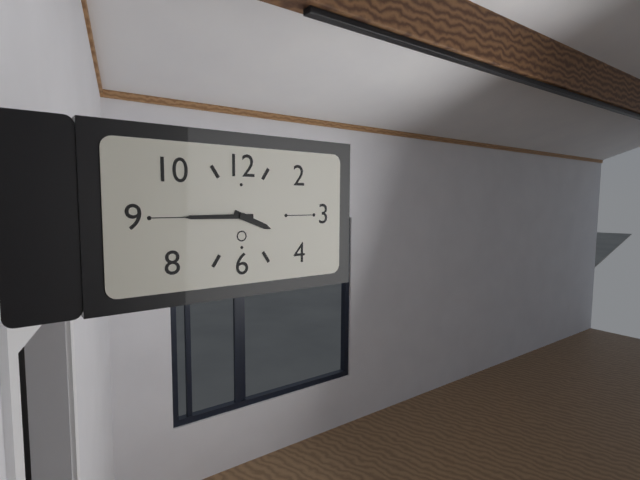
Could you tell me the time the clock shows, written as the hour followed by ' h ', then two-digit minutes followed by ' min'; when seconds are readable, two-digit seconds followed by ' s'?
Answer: 3 h 45 min
